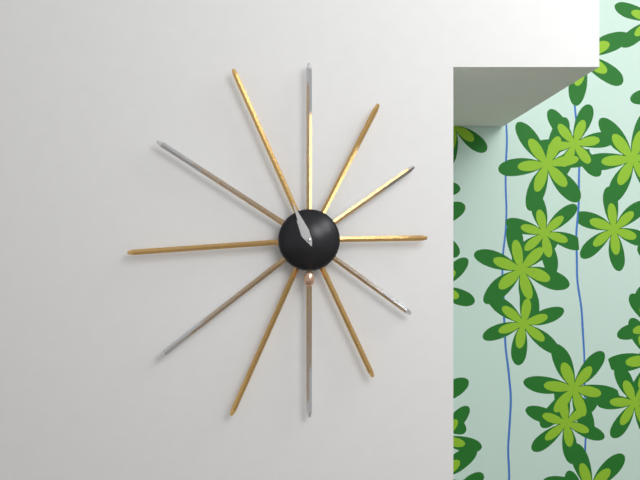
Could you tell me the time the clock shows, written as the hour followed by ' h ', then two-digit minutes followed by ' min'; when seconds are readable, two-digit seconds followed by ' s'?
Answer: 10 h 56 min
